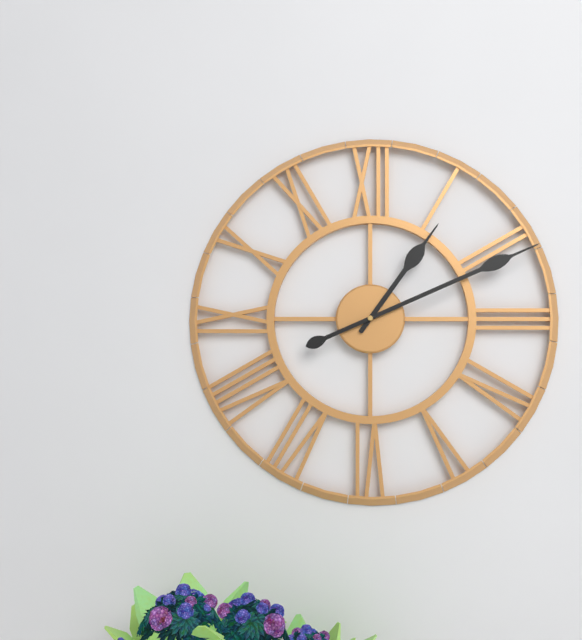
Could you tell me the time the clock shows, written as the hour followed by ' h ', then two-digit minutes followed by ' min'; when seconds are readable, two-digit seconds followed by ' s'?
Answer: 1 h 11 min
